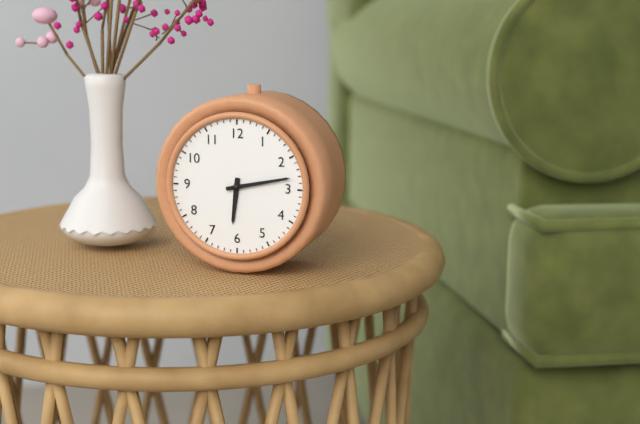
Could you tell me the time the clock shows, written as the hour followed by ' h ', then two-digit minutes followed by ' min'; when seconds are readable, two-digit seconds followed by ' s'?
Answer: 6 h 13 min
